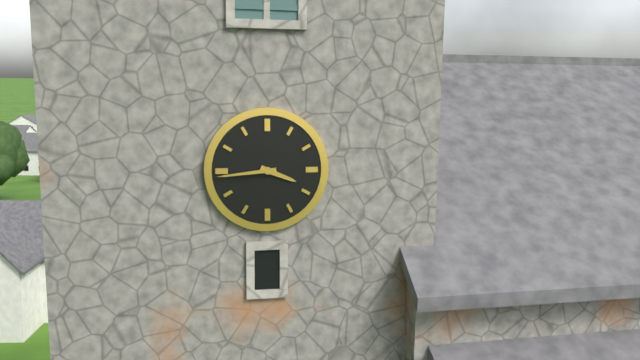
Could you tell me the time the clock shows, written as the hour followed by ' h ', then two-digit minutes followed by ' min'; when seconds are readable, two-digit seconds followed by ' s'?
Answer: 3 h 44 min
